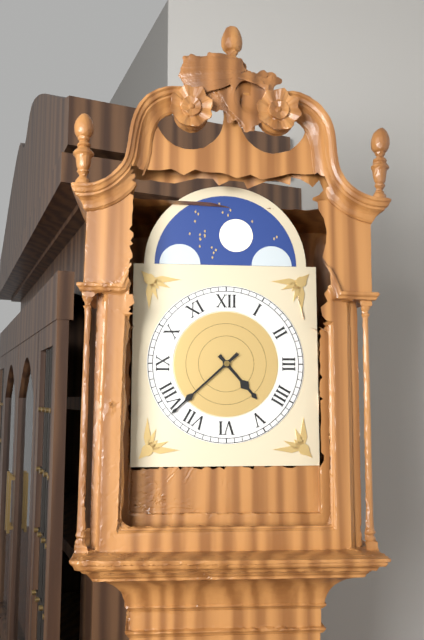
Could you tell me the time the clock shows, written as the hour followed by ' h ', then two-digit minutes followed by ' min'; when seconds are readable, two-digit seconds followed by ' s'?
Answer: 4 h 38 min
